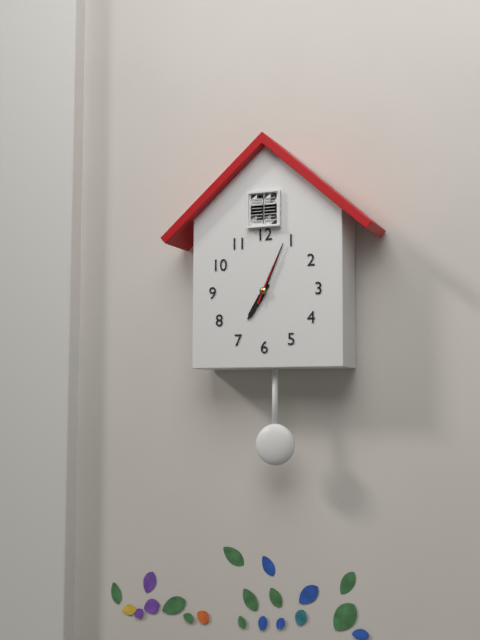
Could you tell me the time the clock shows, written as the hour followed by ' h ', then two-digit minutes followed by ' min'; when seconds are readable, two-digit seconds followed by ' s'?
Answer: 7 h 04 min
